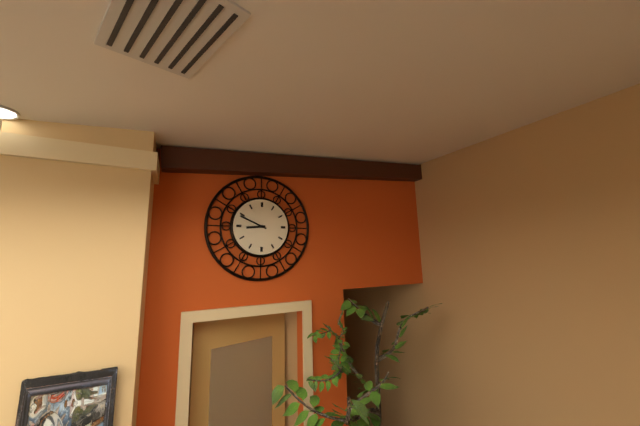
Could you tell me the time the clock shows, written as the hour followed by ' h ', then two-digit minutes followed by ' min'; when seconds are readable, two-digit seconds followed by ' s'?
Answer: 8 h 49 min
